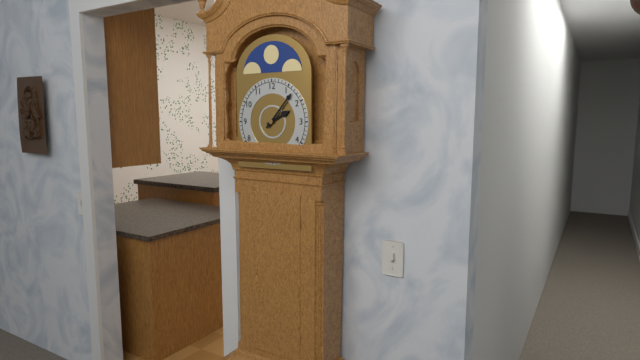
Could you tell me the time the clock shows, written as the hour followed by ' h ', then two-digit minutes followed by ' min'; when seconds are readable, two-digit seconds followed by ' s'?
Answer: 2 h 07 min
